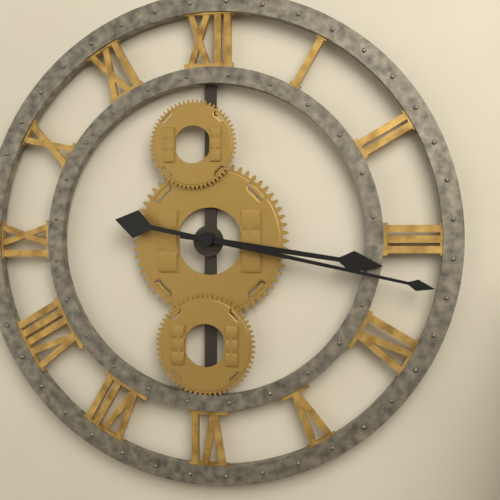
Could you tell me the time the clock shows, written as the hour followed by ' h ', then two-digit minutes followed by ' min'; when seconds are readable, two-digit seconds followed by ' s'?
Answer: 3 h 17 min
